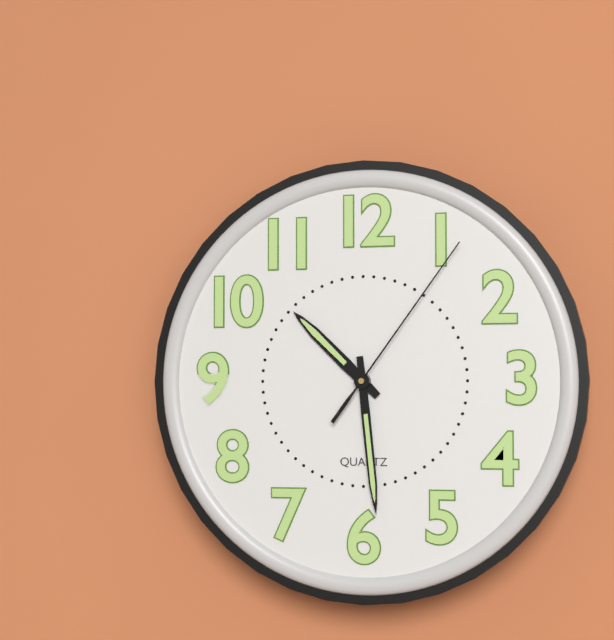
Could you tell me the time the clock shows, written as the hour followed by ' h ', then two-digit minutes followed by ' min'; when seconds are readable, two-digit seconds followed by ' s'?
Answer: 10 h 29 min 06 s
